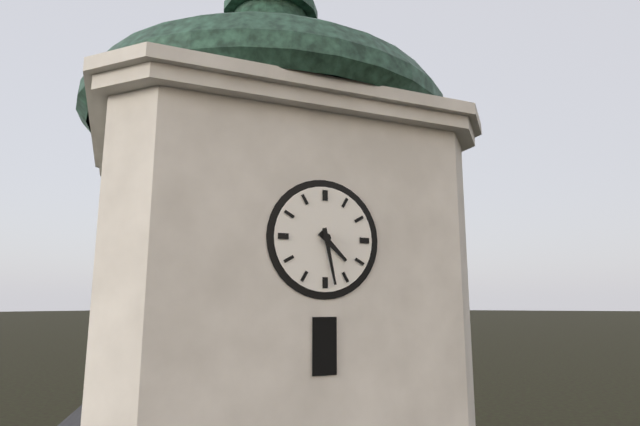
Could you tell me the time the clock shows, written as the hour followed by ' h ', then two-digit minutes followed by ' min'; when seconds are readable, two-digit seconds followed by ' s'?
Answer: 4 h 28 min
